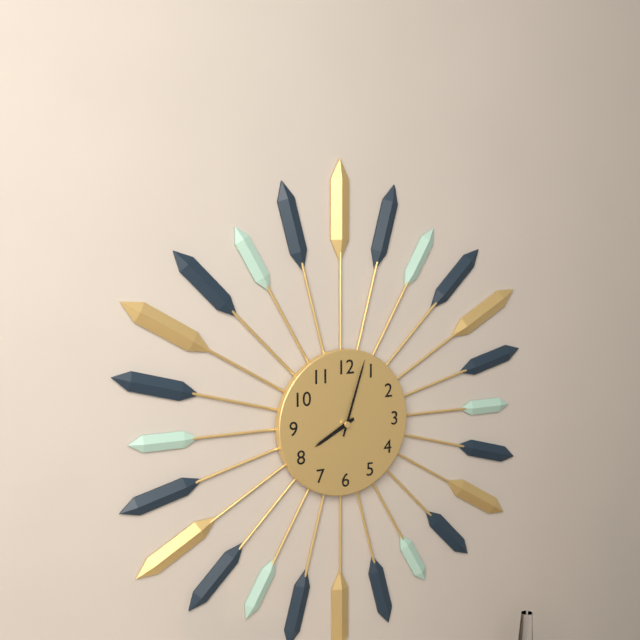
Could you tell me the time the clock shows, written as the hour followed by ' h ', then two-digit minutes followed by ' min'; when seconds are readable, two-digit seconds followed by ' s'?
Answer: 8 h 03 min
